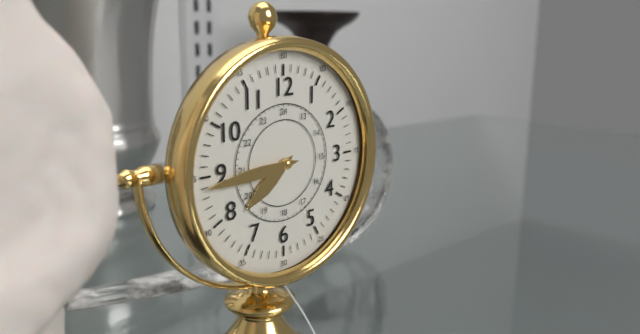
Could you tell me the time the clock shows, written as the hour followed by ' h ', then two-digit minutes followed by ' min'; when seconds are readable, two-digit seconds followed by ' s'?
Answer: 7 h 44 min
